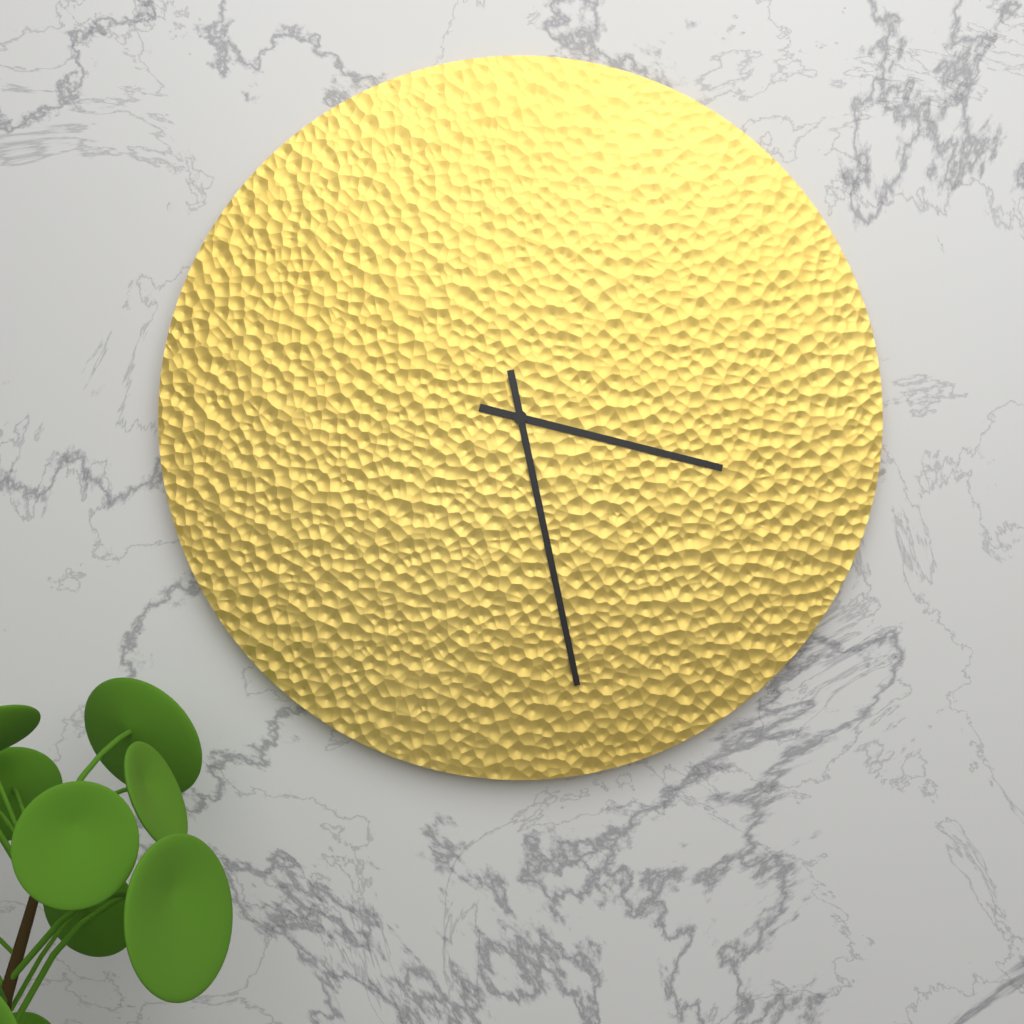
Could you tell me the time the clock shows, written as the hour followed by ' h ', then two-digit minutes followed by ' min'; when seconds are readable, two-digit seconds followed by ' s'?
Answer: 3 h 28 min
